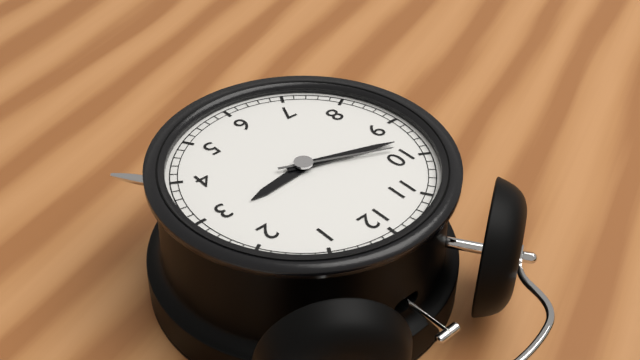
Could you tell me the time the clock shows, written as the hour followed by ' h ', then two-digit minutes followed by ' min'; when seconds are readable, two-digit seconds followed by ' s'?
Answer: 2 h 48 min 49 s
